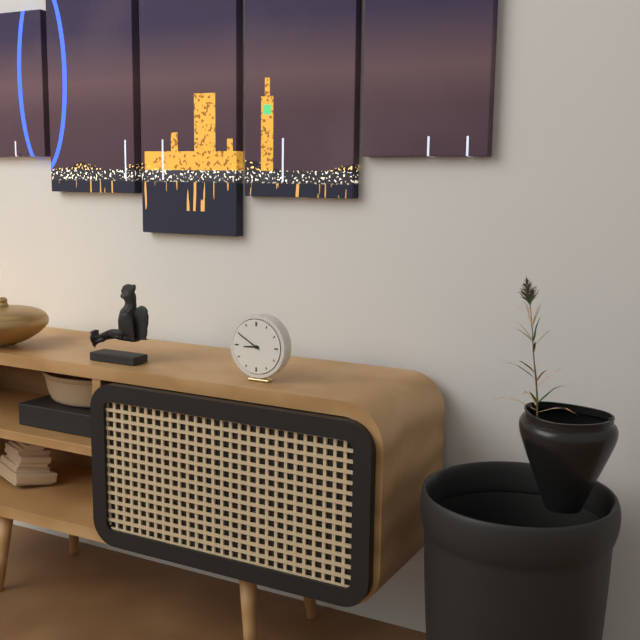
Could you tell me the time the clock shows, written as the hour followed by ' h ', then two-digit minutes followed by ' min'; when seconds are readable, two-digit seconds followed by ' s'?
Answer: 8 h 50 min
